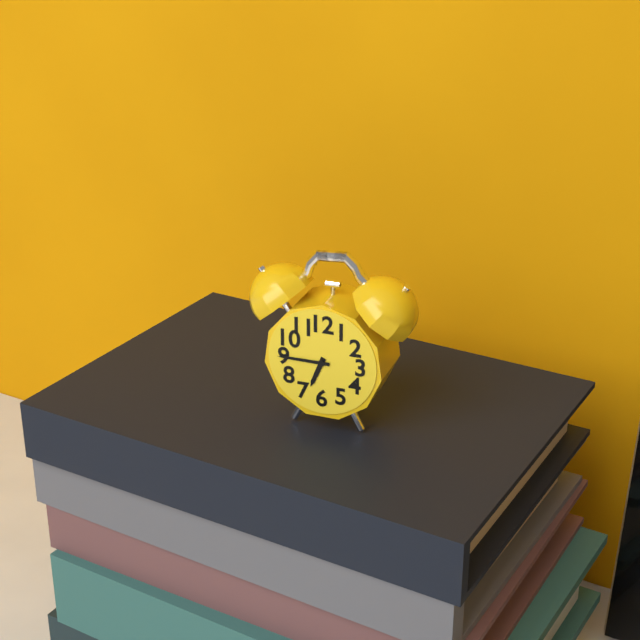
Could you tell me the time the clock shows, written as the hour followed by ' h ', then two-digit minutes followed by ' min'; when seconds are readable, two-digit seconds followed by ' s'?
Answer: 6 h 45 min
